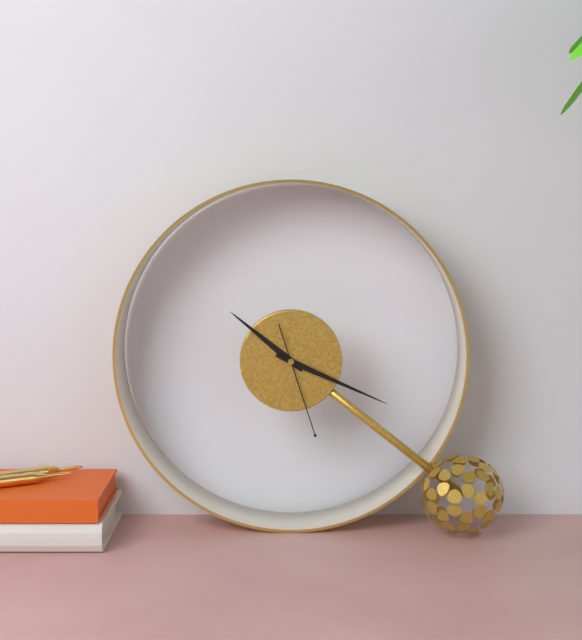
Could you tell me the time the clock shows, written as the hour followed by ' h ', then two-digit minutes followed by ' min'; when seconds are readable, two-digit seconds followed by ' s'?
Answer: 10 h 19 min 27 s
